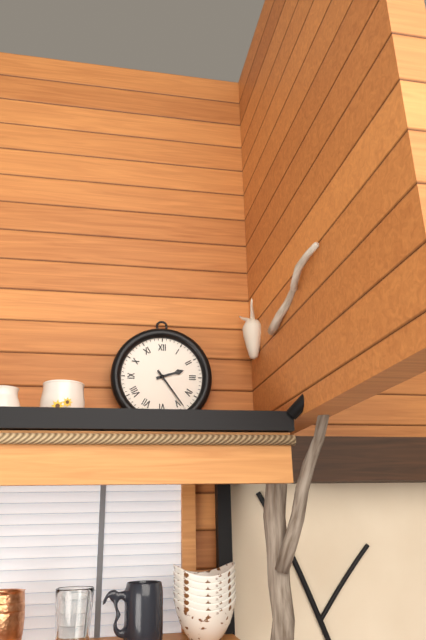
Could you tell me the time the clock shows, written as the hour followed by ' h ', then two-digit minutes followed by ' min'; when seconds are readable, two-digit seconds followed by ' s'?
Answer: 2 h 24 min
